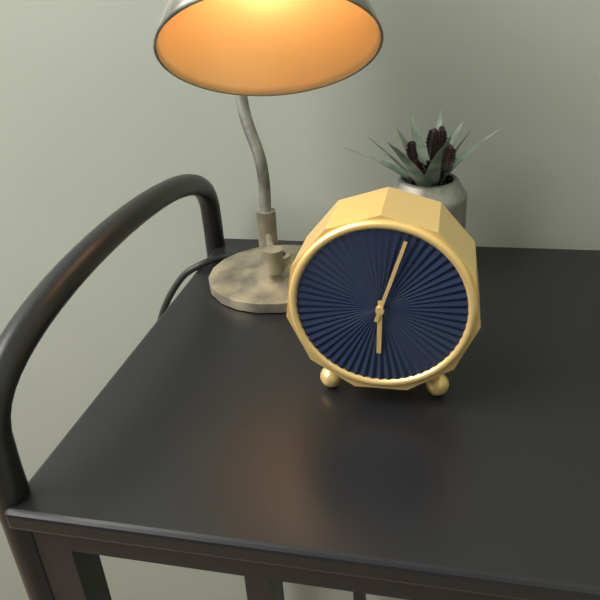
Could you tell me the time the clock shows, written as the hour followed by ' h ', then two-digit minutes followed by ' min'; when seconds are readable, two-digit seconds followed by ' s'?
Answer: 6 h 03 min
